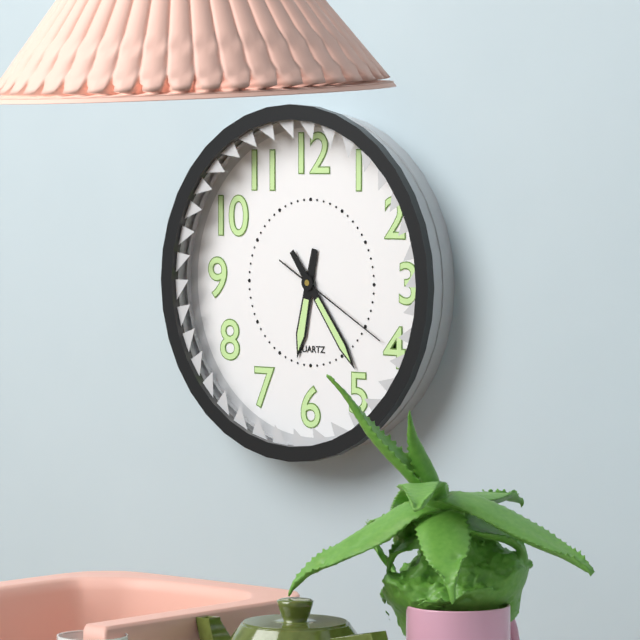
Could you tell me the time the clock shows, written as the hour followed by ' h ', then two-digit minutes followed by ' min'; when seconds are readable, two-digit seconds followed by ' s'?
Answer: 6 h 24 min 20 s
